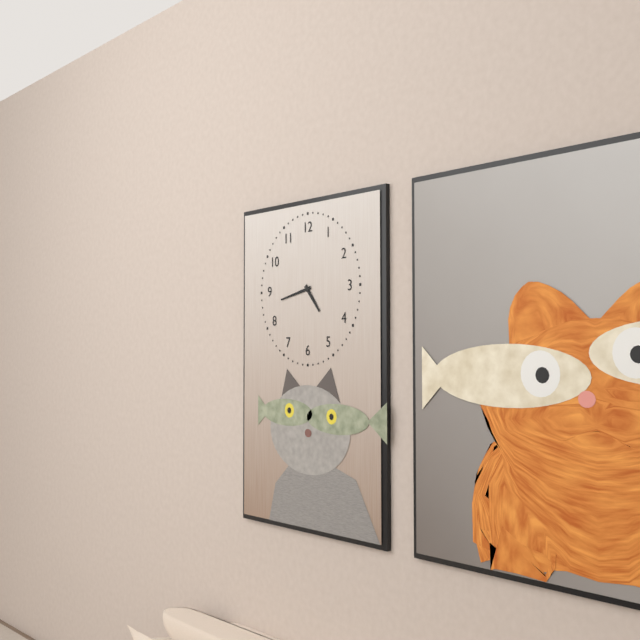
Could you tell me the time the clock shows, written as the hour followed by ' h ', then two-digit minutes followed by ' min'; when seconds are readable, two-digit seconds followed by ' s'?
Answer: 4 h 43 min
